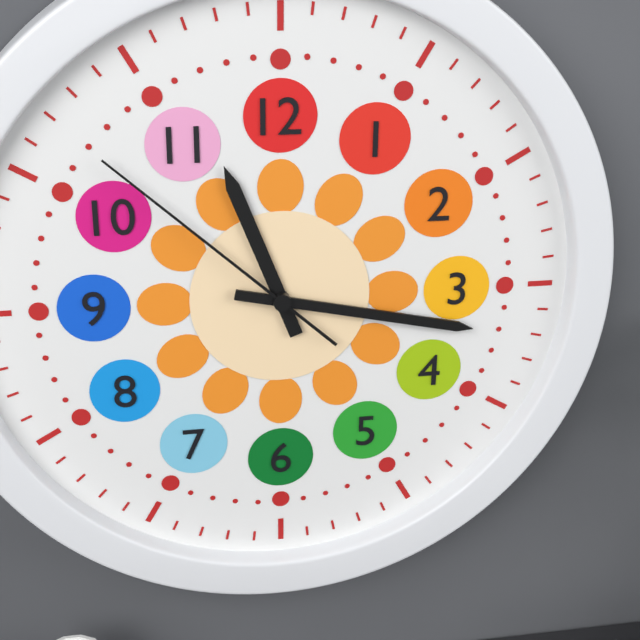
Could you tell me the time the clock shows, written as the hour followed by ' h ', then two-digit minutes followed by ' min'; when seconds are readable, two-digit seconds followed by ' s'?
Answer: 11 h 17 min 52 s
